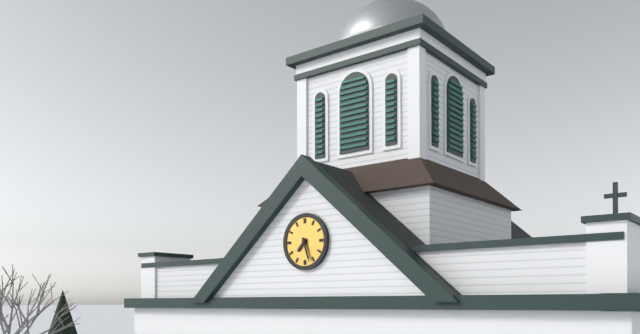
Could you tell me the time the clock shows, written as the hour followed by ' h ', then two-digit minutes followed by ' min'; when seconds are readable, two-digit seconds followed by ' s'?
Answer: 7 h 27 min
